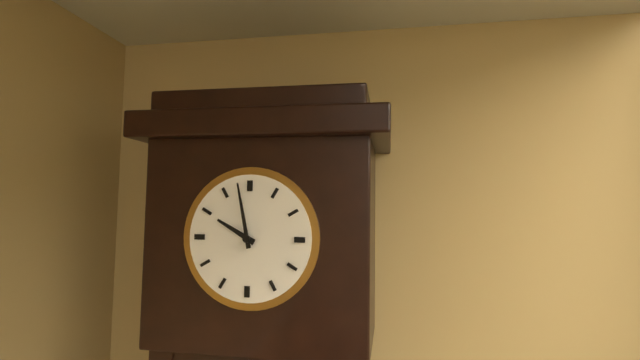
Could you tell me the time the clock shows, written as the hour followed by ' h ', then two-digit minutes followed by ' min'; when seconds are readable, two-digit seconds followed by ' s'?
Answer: 9 h 58 min
